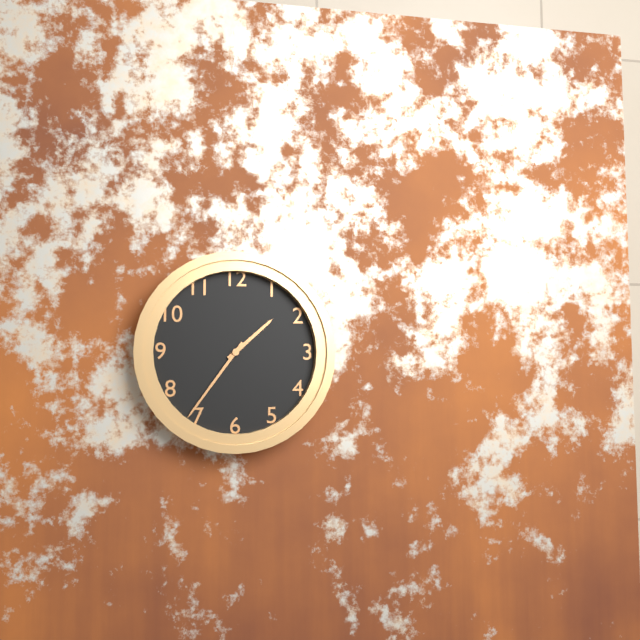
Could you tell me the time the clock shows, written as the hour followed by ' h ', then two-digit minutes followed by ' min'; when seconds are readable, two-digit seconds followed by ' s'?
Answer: 1 h 36 min
